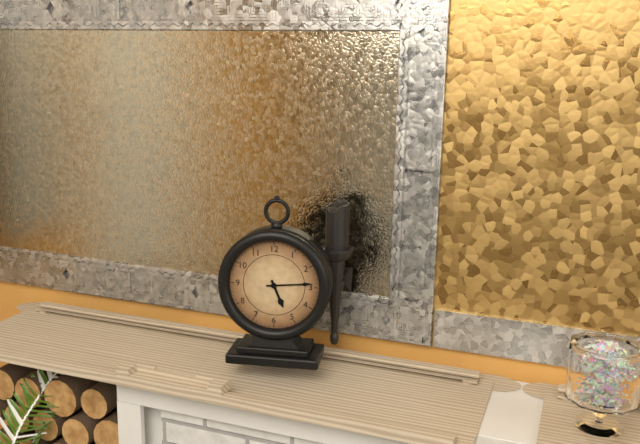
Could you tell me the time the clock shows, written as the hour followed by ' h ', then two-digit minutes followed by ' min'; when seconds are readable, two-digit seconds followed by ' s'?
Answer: 5 h 14 min
